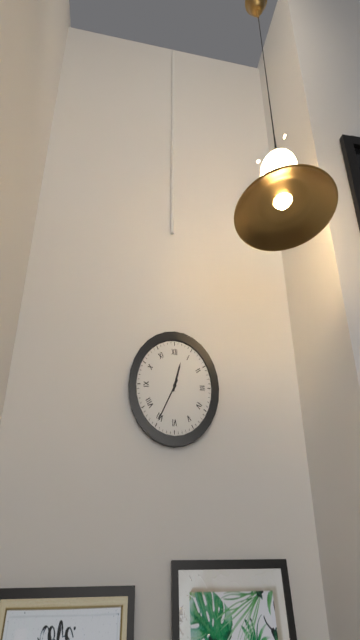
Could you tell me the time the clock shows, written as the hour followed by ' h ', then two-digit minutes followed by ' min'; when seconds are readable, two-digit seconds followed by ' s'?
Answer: 12 h 35 min
